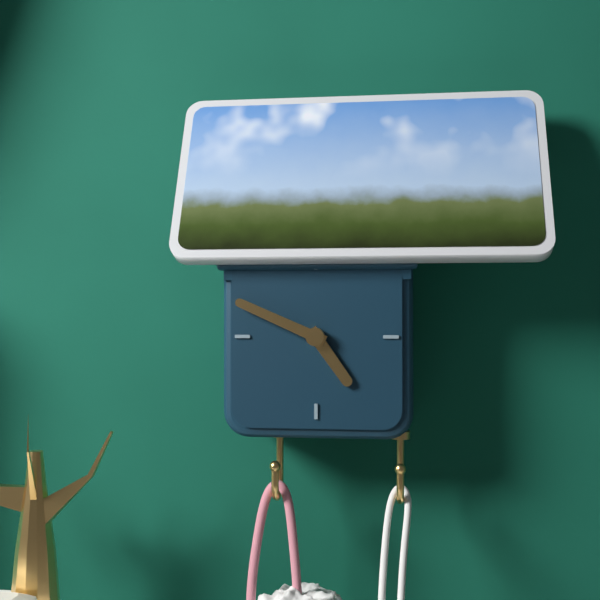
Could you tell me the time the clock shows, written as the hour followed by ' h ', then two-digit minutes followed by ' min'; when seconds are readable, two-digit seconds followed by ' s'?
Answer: 4 h 49 min
